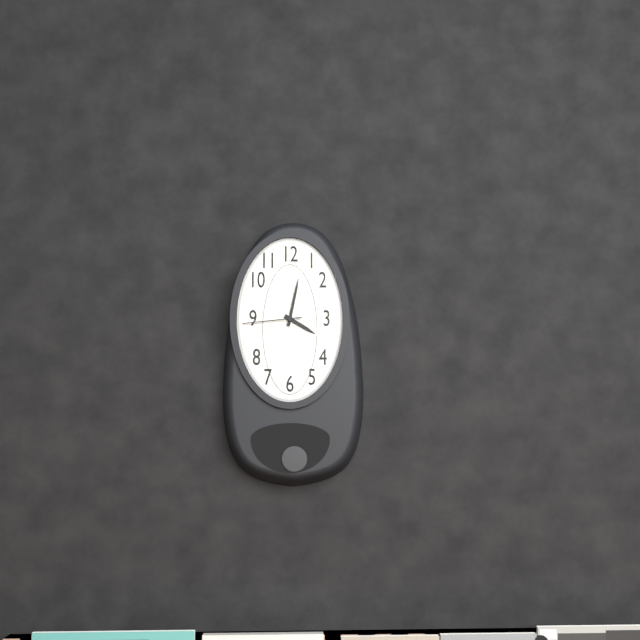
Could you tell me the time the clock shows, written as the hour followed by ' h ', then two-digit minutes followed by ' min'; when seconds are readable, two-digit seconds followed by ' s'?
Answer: 4 h 02 min 44 s
